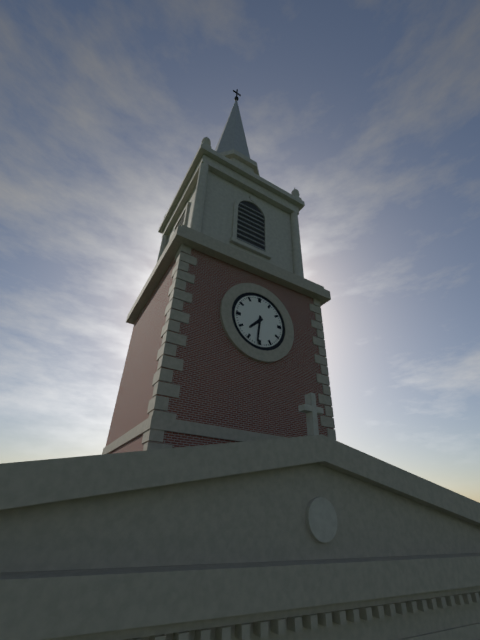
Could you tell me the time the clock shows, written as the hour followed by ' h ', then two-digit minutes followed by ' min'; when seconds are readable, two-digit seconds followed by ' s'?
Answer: 7 h 31 min
